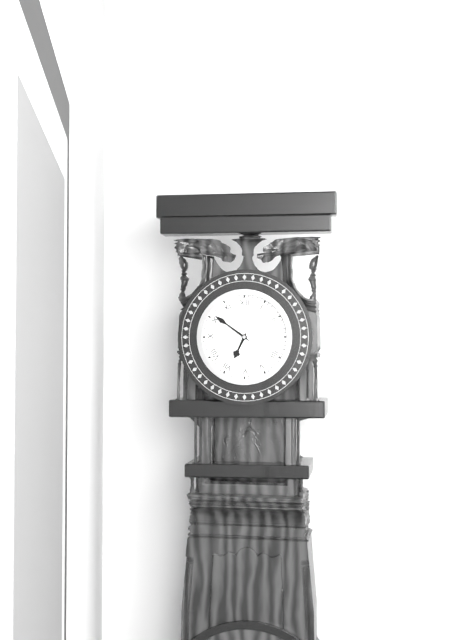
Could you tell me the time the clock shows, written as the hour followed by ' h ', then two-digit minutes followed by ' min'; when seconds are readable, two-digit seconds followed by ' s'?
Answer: 6 h 51 min
